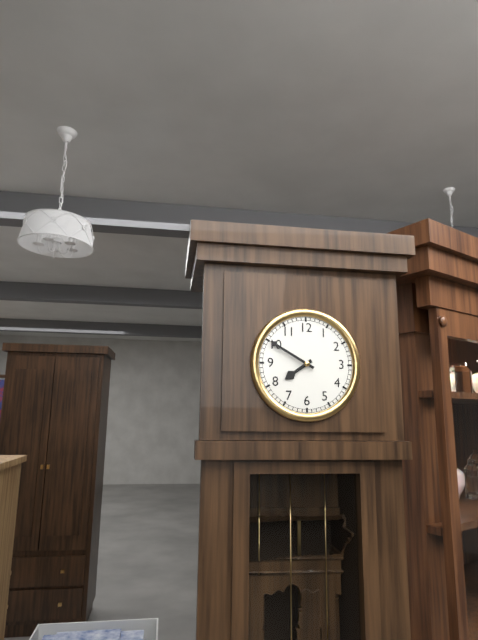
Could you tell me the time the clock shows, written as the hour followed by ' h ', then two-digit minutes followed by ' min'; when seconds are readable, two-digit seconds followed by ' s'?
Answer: 7 h 50 min
